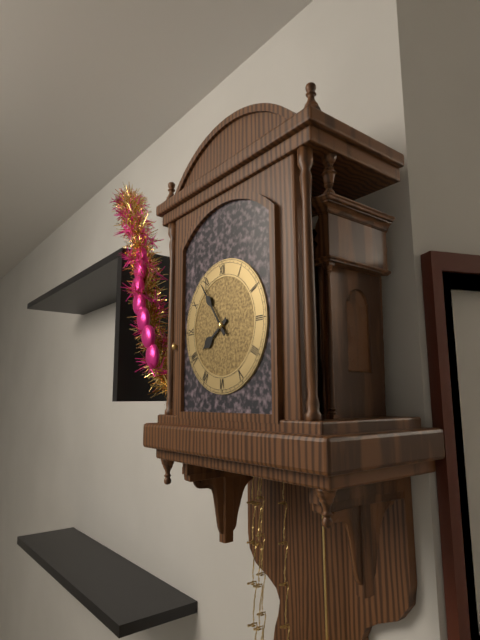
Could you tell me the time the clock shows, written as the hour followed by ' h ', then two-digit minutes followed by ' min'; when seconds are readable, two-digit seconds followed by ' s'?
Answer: 7 h 54 min
